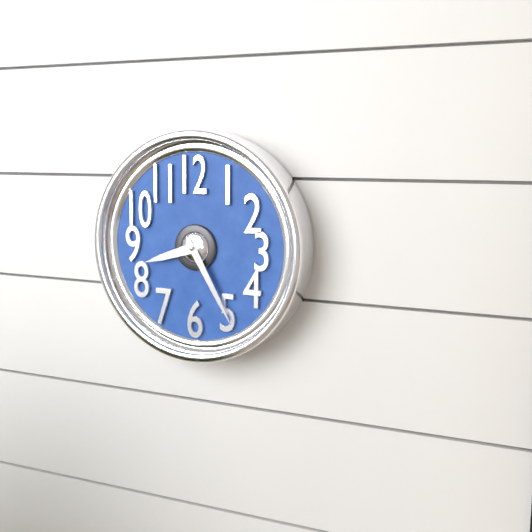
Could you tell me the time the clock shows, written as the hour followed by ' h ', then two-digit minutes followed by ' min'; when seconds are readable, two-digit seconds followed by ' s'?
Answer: 8 h 25 min
